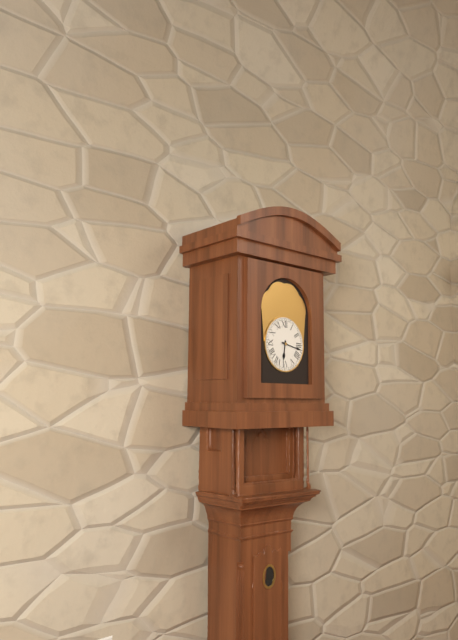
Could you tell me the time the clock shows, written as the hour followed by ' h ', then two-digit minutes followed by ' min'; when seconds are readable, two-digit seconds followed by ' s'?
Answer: 6 h 17 min
